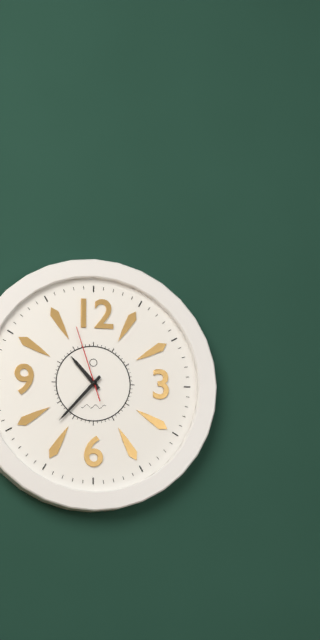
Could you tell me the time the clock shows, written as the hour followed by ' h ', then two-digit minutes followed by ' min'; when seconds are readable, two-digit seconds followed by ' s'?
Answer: 10 h 37 min 57 s
